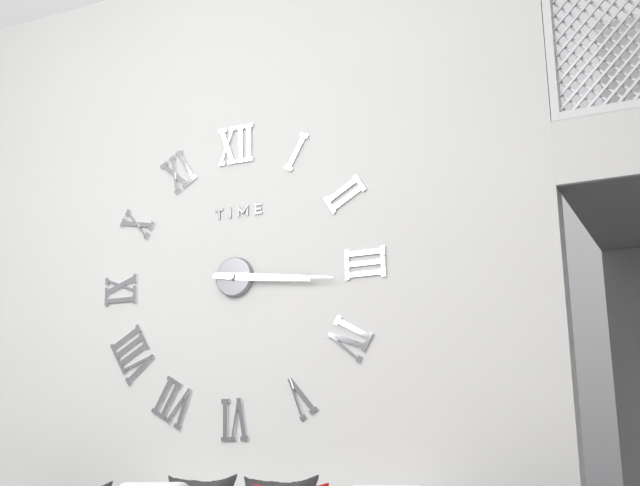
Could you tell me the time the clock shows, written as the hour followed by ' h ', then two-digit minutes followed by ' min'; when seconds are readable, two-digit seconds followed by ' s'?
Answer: 3 h 16 min
